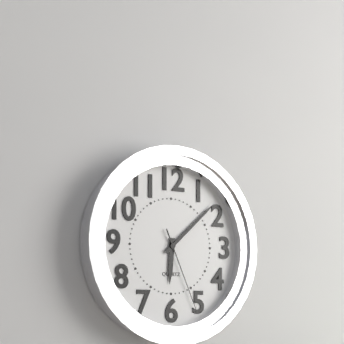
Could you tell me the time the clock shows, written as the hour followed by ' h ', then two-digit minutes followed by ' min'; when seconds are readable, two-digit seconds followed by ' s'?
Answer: 6 h 08 min 26 s
